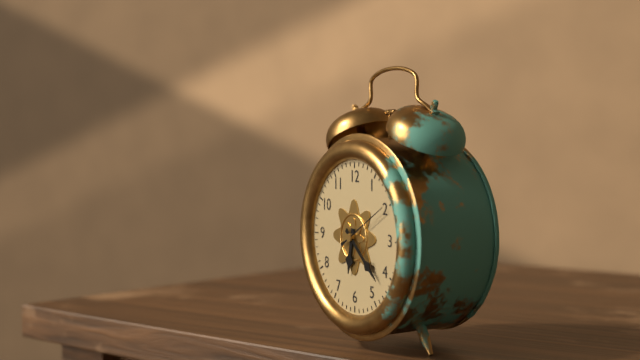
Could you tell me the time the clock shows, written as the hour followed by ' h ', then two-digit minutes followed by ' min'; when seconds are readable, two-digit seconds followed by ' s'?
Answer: 6 h 22 min
